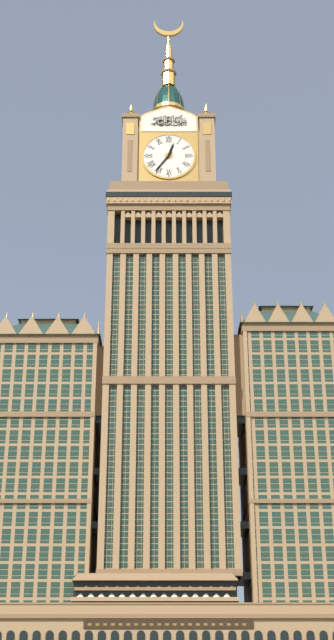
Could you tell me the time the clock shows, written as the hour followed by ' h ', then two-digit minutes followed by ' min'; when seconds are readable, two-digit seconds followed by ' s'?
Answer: 12 h 36 min
